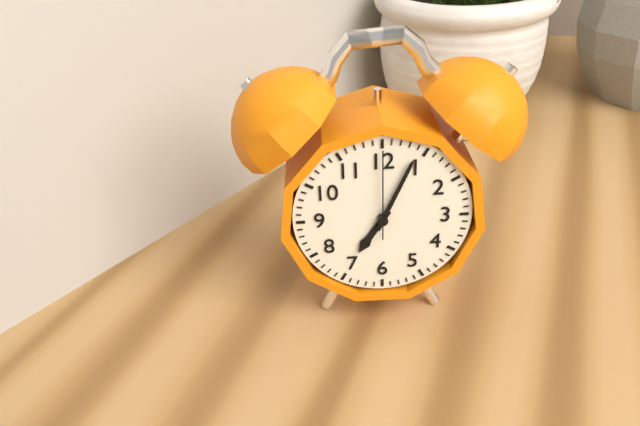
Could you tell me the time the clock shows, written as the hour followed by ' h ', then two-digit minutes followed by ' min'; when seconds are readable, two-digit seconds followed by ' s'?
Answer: 7 h 04 min 00 s
